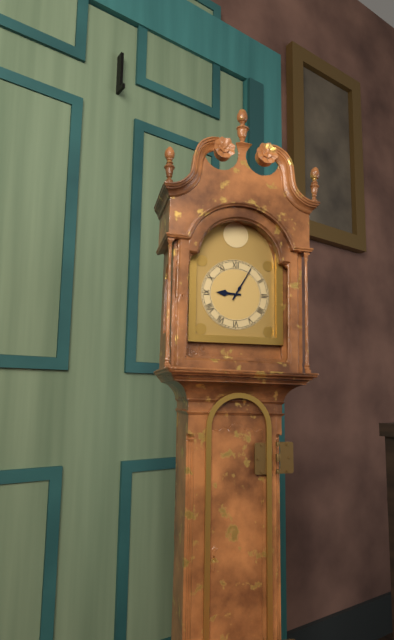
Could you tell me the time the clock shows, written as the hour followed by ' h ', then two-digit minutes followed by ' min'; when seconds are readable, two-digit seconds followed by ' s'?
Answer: 9 h 05 min
